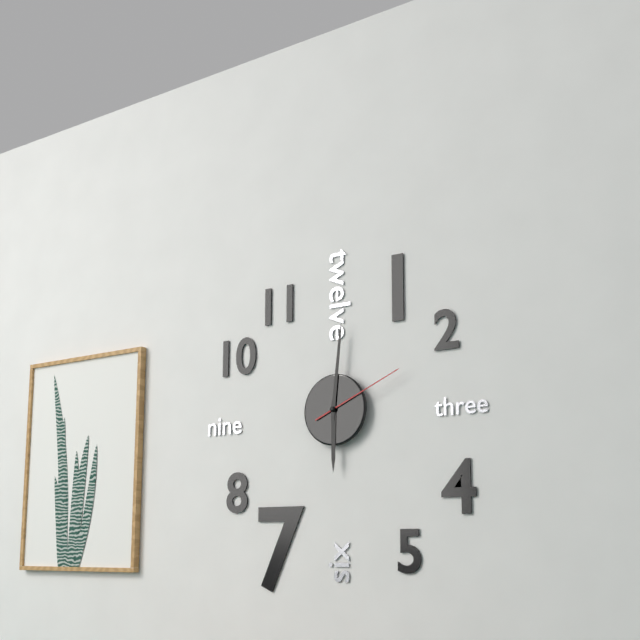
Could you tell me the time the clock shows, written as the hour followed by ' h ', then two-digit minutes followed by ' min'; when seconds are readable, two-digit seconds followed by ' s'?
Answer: 6 h 01 min 11 s
